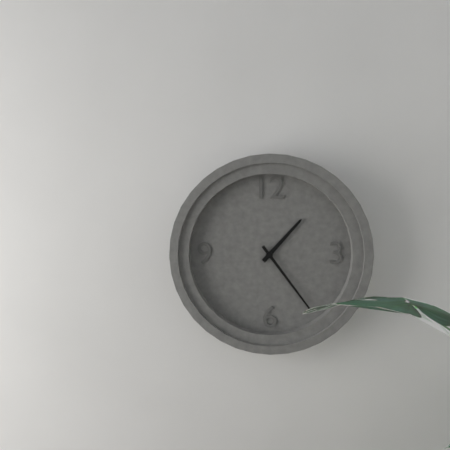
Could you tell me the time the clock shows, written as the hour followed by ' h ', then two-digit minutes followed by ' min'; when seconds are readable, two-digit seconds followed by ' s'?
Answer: 1 h 24 min
